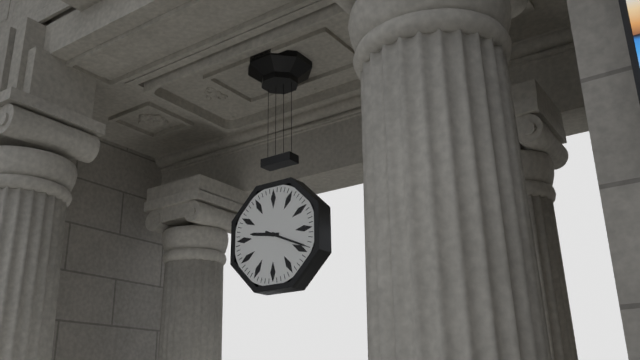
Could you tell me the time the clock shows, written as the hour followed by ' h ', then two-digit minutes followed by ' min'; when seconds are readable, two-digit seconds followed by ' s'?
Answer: 9 h 19 min
